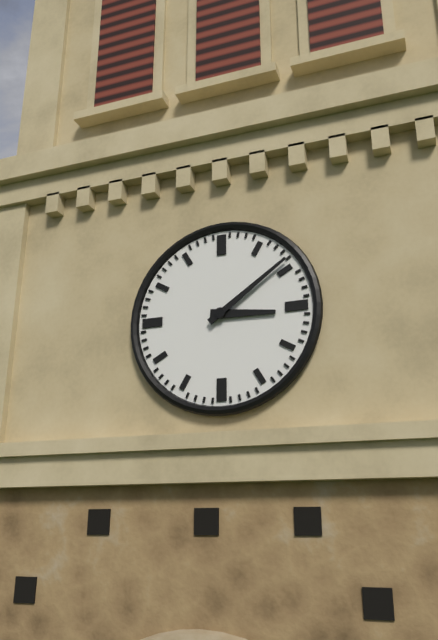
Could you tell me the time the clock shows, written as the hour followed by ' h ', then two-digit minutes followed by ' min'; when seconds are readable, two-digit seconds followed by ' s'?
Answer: 3 h 09 min
